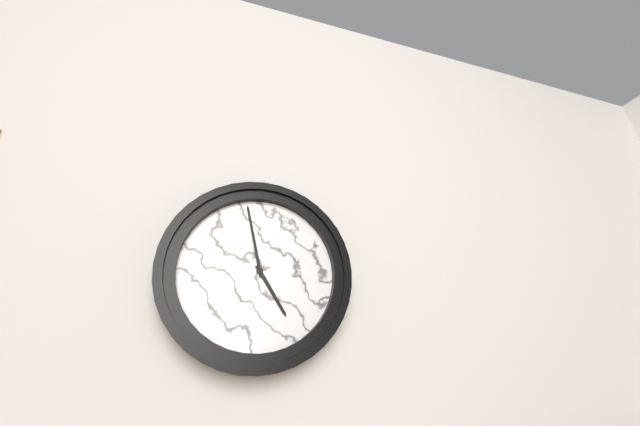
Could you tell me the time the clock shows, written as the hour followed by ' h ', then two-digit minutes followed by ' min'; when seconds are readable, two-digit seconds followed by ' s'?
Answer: 4 h 58 min
